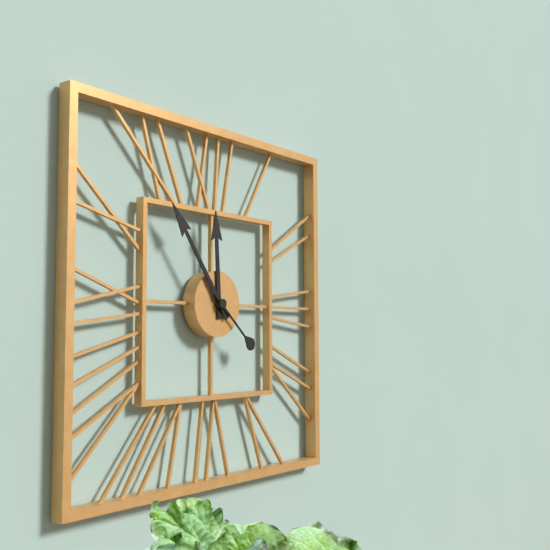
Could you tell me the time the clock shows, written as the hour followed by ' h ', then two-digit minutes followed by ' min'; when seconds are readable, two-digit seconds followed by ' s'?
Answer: 11 h 54 min 22 s
